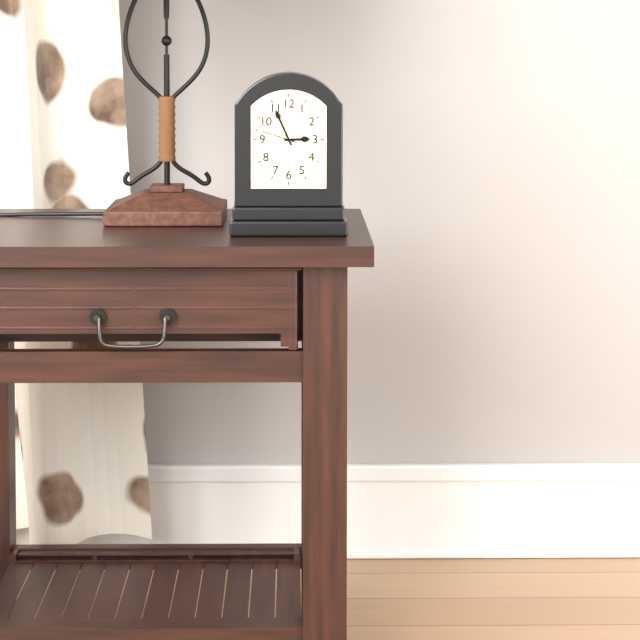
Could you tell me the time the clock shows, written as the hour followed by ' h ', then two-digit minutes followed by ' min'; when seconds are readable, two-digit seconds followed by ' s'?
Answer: 2 h 56 min
